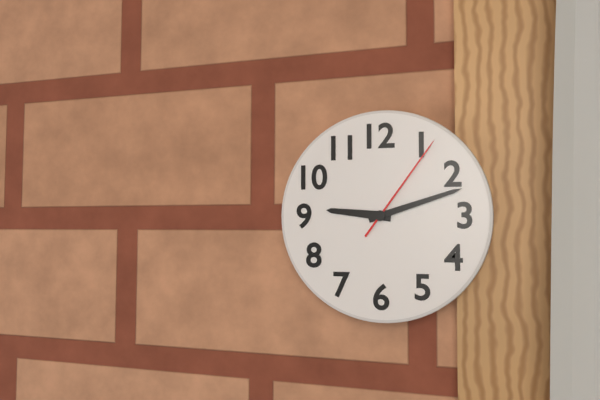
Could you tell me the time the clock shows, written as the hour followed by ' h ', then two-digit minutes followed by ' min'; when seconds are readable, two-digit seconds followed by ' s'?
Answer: 9 h 12 min 06 s
